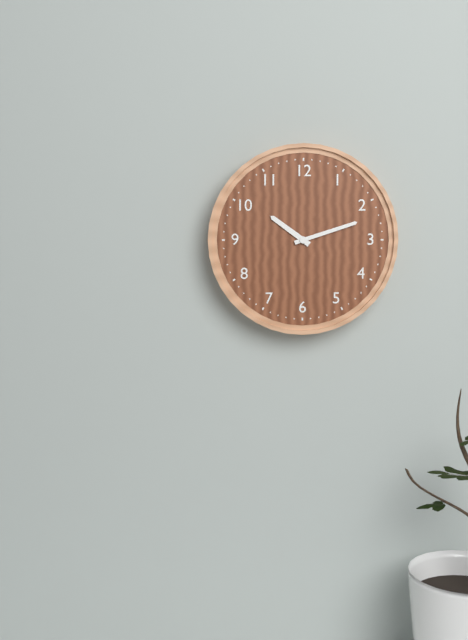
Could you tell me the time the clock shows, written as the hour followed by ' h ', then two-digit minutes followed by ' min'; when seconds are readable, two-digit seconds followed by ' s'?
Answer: 10 h 12 min
